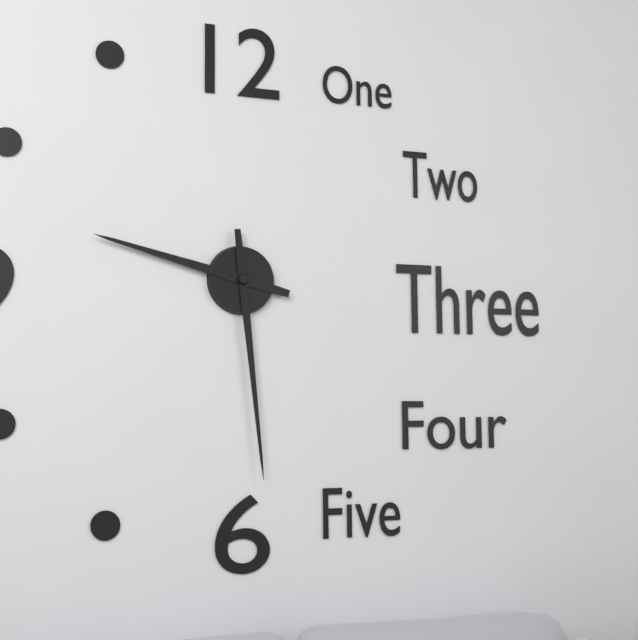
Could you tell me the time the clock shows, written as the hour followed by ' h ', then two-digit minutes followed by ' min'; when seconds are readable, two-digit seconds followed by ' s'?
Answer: 9 h 29 min
